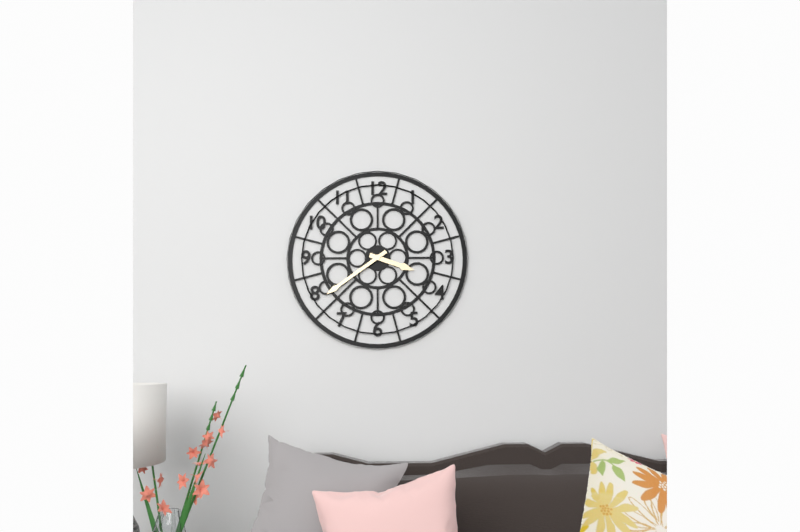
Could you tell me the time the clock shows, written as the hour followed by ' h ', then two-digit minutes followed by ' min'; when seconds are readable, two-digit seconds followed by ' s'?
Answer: 3 h 39 min
